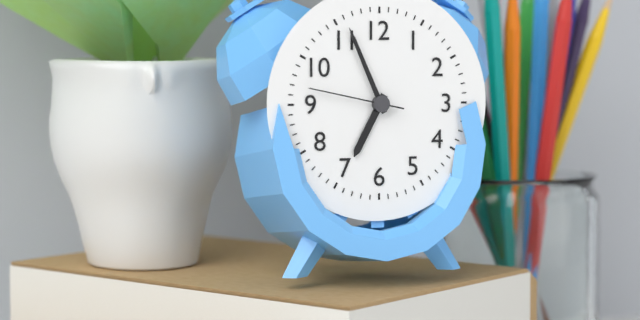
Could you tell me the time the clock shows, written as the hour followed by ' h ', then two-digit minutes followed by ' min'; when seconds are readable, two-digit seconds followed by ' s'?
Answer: 6 h 56 min 47 s
